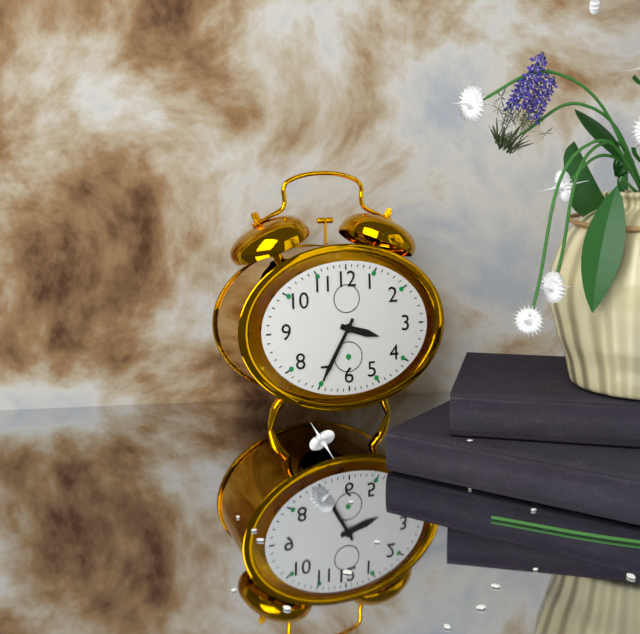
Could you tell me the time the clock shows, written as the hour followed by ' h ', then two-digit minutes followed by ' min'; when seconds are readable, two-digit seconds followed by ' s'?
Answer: 3 h 35 min
